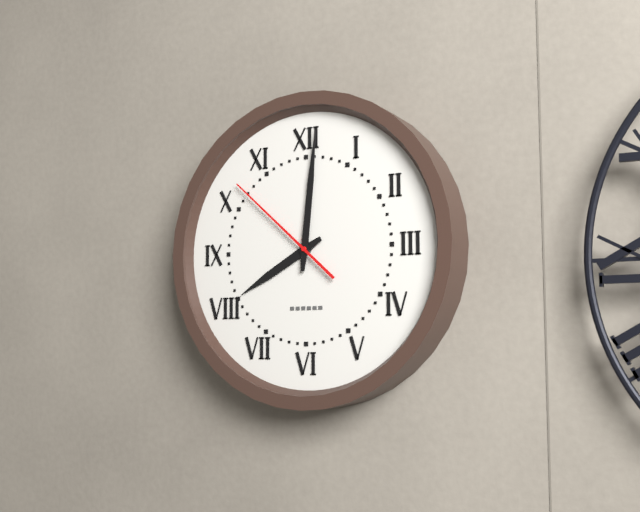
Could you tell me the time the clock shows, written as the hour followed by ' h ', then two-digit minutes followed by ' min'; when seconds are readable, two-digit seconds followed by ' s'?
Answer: 8 h 01 min 52 s
